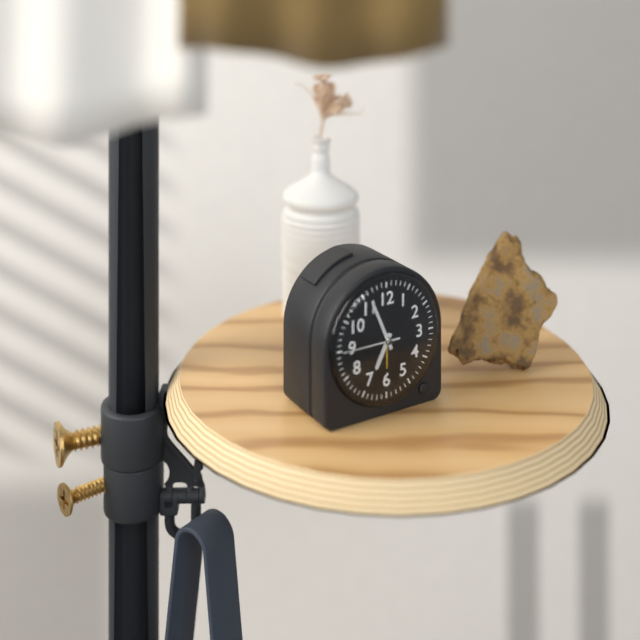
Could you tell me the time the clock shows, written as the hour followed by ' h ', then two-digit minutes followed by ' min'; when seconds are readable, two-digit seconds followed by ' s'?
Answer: 6 h 56 min
